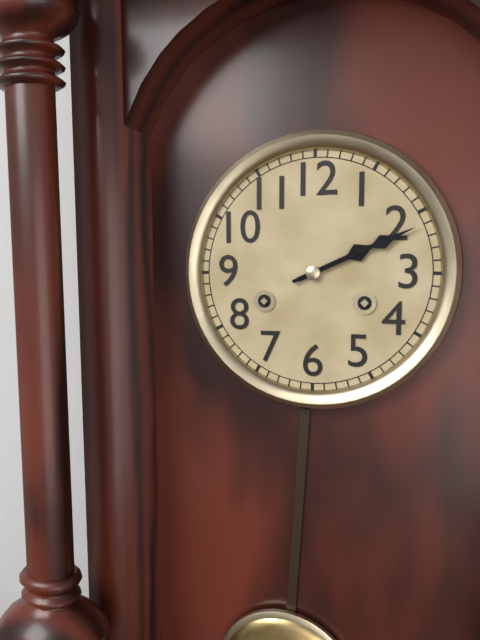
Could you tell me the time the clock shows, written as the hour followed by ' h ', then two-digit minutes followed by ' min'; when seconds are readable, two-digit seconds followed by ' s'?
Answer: 2 h 11 min
